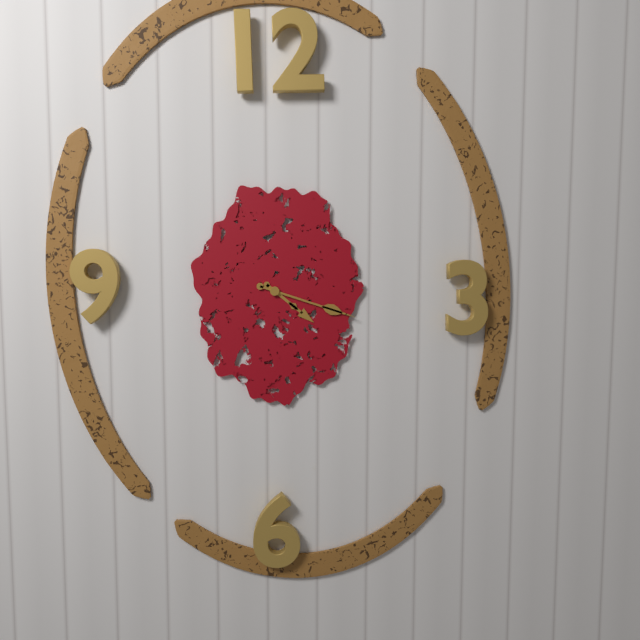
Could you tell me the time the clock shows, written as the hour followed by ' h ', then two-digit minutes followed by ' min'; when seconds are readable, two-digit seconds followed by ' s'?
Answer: 4 h 18 min
